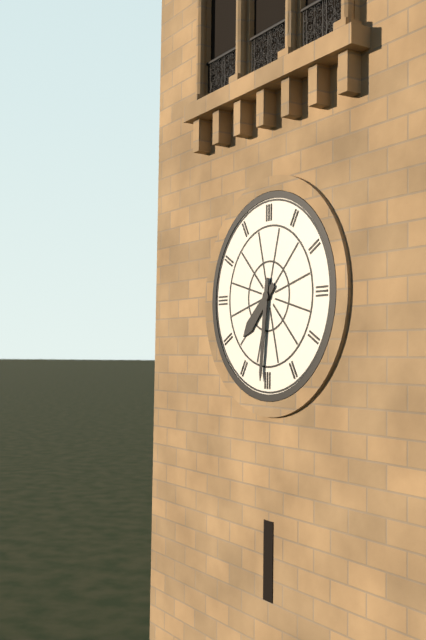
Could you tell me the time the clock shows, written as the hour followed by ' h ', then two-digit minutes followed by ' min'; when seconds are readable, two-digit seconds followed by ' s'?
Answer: 7 h 31 min
